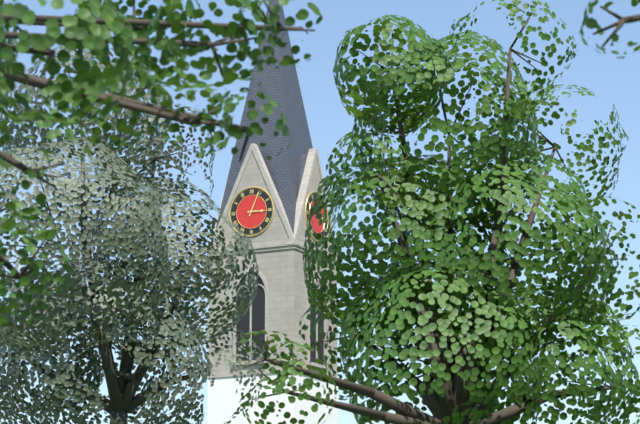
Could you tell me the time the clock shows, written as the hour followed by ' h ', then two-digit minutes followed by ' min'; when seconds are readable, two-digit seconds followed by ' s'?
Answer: 3 h 04 min
